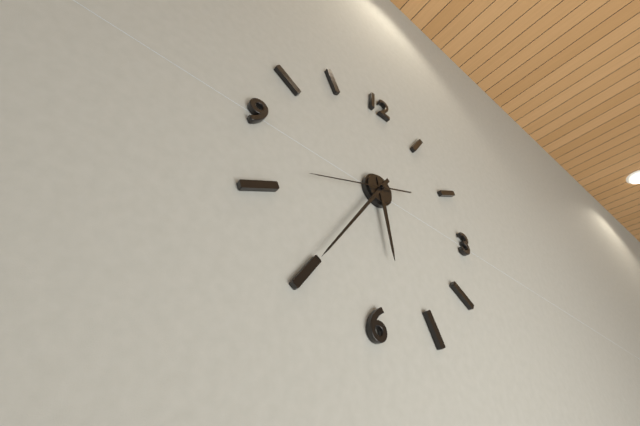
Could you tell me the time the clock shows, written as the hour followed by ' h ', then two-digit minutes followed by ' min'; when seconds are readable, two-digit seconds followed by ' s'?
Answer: 5 h 35 min 41 s
